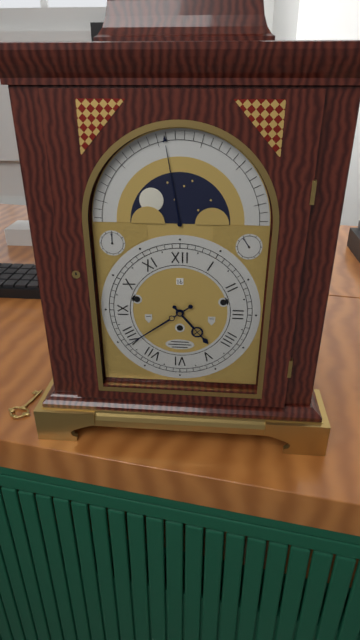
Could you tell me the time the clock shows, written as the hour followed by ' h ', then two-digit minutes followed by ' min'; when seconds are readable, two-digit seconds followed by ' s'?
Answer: 4 h 39 min
